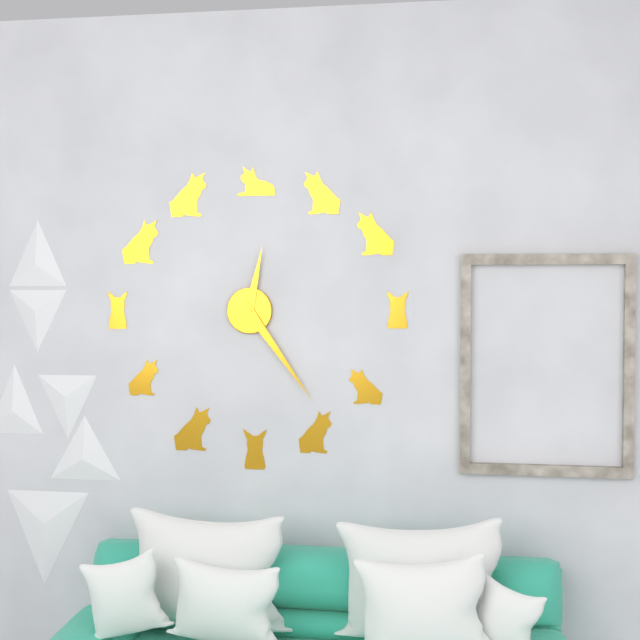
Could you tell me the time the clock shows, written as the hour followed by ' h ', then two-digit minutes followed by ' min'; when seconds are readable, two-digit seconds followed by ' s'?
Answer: 12 h 24 min
